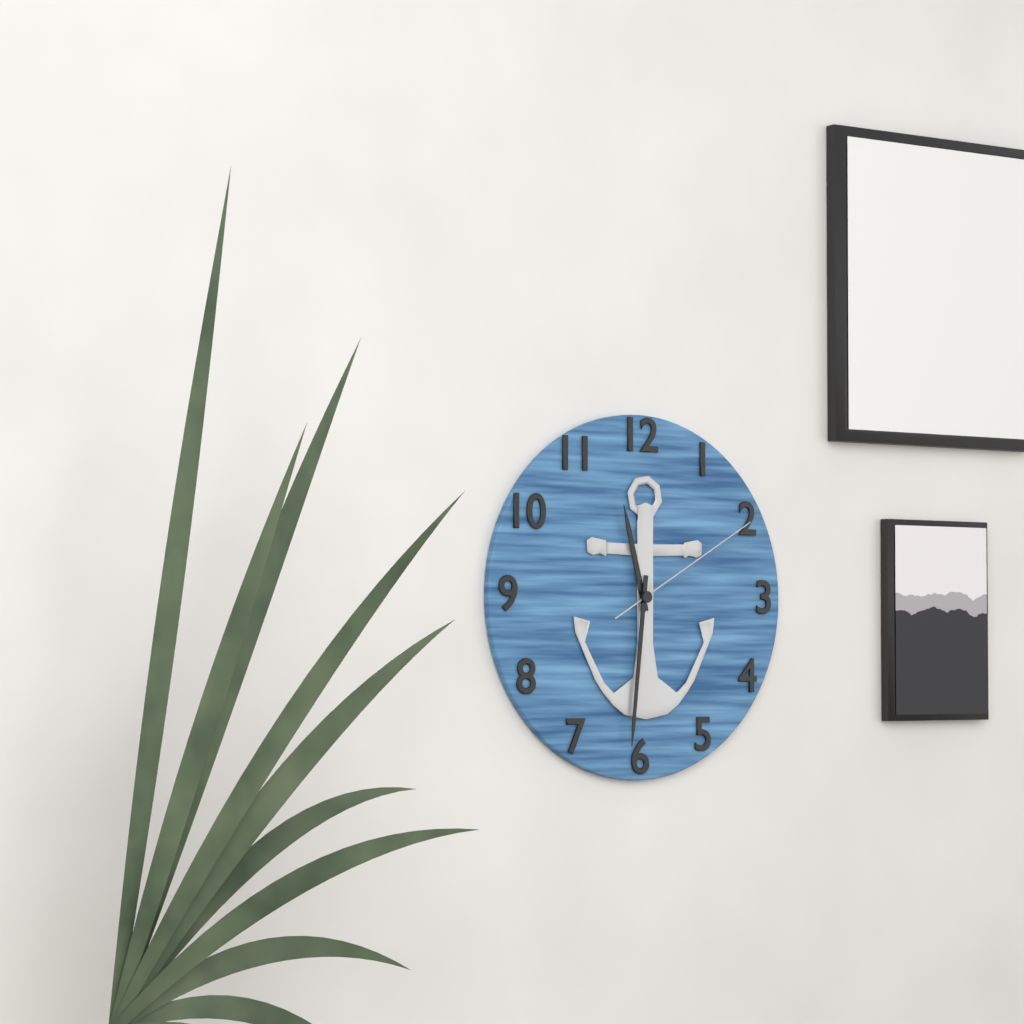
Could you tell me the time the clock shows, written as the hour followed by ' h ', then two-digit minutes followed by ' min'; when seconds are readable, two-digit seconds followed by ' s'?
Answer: 11 h 31 min 10 s
